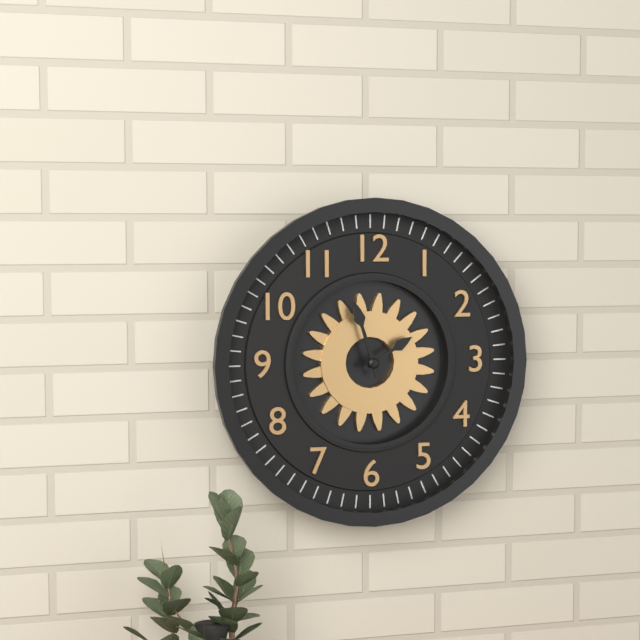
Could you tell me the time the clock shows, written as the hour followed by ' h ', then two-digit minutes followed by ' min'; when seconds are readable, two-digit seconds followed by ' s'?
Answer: 1 h 57 min
